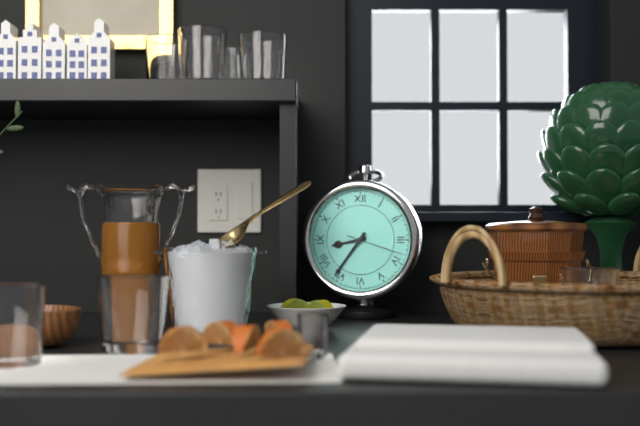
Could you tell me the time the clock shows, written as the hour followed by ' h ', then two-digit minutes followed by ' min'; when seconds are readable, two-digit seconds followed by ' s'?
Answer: 8 h 36 min 18 s
